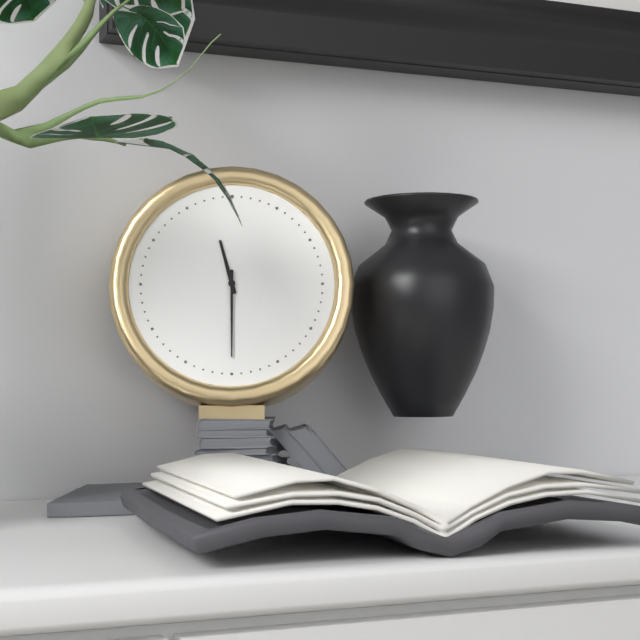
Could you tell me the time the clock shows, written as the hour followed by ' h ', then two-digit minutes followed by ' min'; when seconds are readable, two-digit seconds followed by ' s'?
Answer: 11 h 30 min
